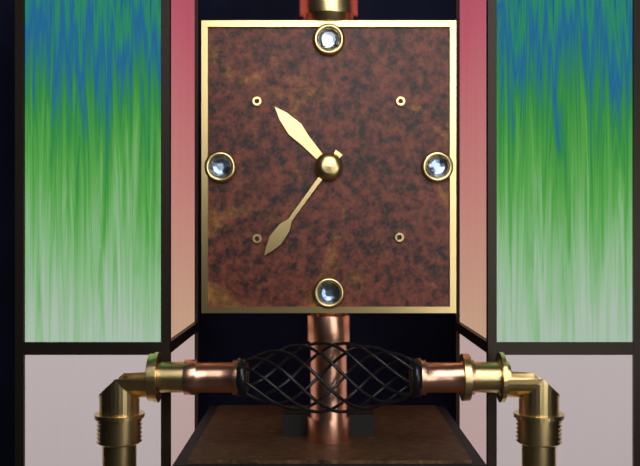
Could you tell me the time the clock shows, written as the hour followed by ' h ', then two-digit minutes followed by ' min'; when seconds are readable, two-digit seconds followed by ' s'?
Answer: 10 h 36 min
